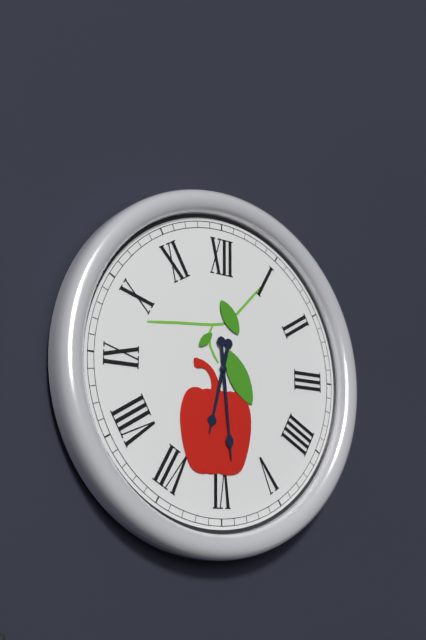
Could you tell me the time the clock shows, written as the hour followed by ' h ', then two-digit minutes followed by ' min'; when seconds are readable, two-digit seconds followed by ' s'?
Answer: 6 h 29 min
